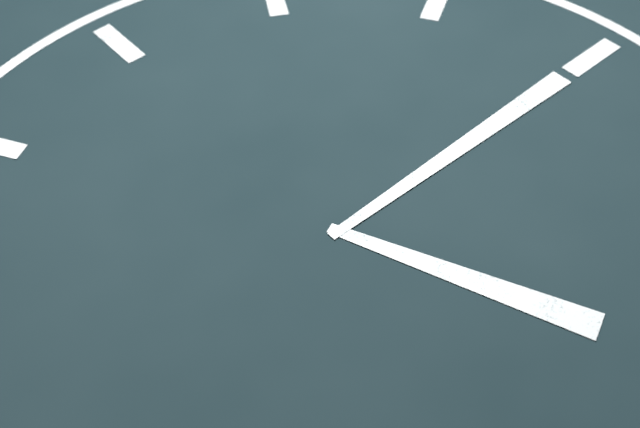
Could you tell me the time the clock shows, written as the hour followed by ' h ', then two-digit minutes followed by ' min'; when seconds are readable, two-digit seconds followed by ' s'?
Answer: 5 h 15 min
